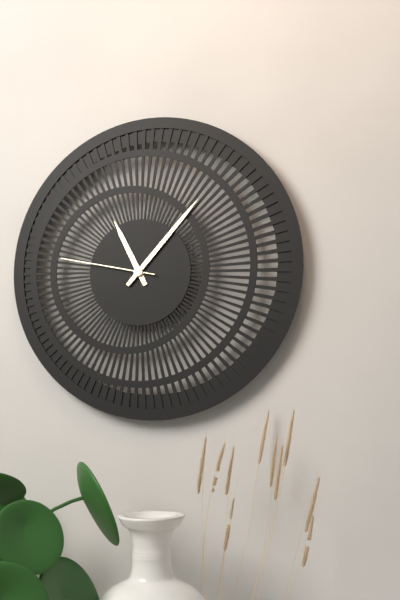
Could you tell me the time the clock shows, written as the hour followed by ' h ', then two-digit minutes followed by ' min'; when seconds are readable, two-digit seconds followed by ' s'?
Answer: 11 h 07 min 47 s
